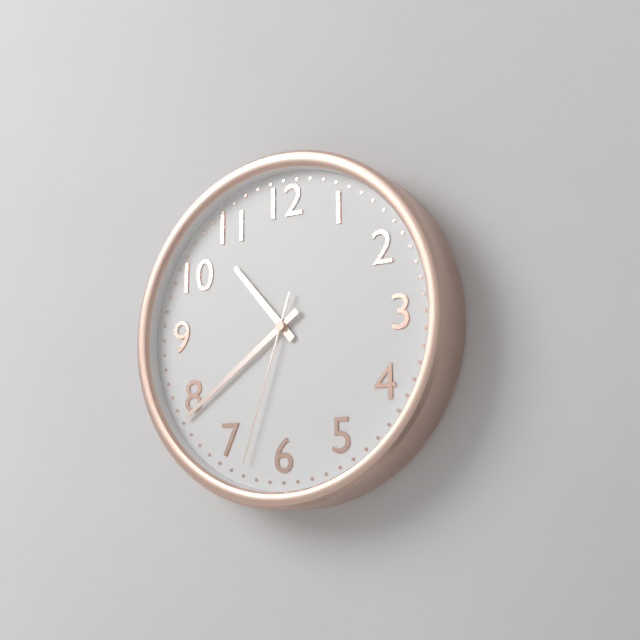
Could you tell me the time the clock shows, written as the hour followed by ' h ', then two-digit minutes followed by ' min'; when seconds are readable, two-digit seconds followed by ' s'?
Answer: 10 h 39 min 33 s
